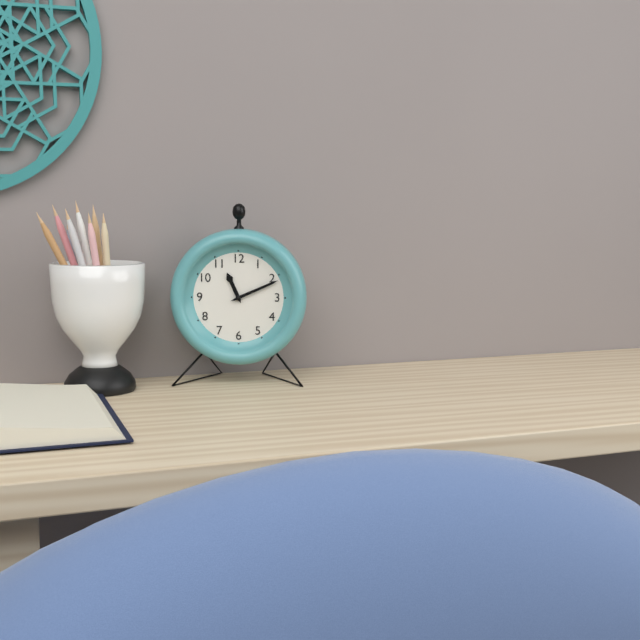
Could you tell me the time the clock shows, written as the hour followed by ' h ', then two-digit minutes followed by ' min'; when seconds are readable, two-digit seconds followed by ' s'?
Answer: 11 h 11 min
